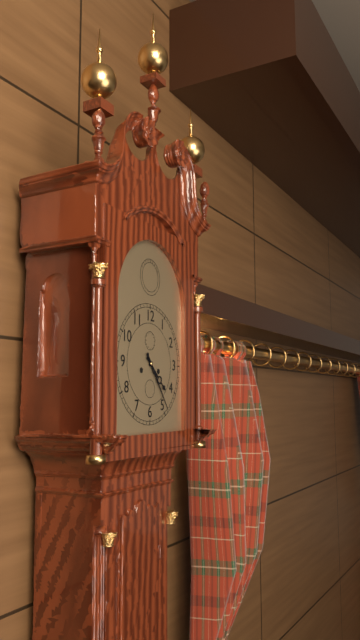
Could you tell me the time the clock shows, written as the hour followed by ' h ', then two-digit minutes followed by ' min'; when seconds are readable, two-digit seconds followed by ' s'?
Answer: 4 h 24 min
